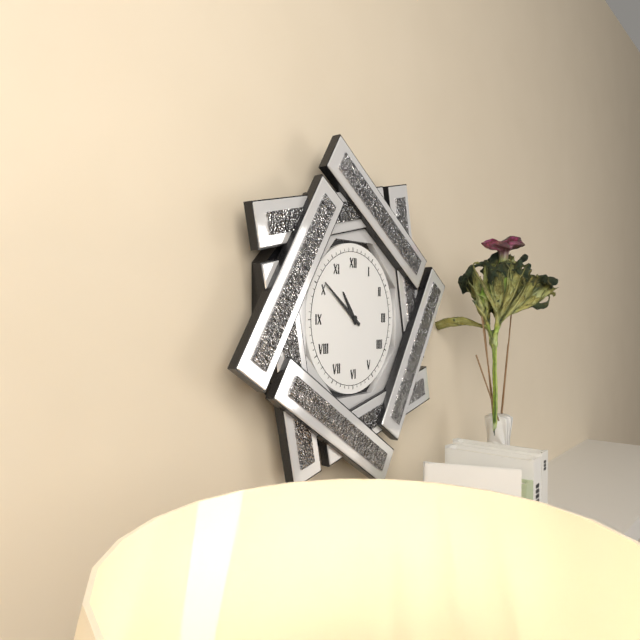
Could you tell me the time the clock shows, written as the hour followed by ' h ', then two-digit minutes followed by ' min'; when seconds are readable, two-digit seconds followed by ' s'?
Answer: 10 h 51 min
